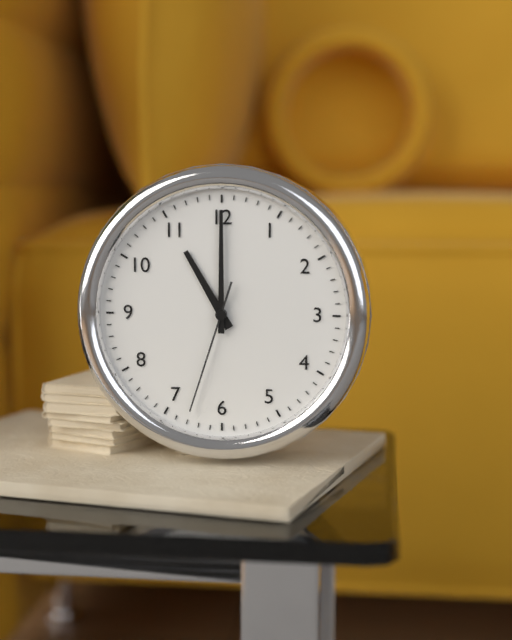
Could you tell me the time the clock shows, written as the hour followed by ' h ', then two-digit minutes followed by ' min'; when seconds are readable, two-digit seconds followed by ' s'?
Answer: 11 h 00 min 33 s
